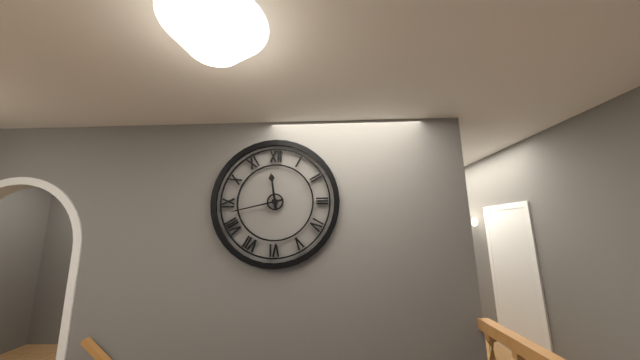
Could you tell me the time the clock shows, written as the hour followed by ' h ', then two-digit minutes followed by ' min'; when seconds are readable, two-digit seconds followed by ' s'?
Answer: 11 h 43 min
